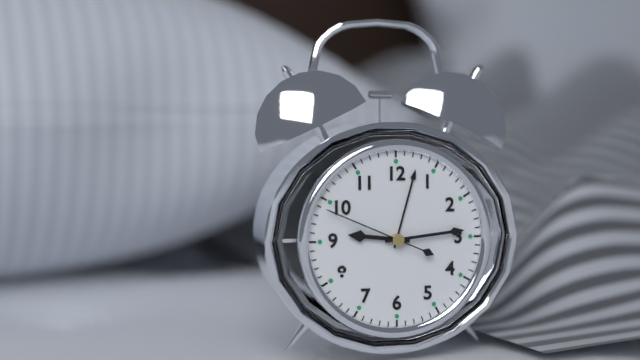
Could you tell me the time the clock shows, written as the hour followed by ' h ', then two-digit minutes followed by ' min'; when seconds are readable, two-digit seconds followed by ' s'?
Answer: 9 h 14 min 49 s
